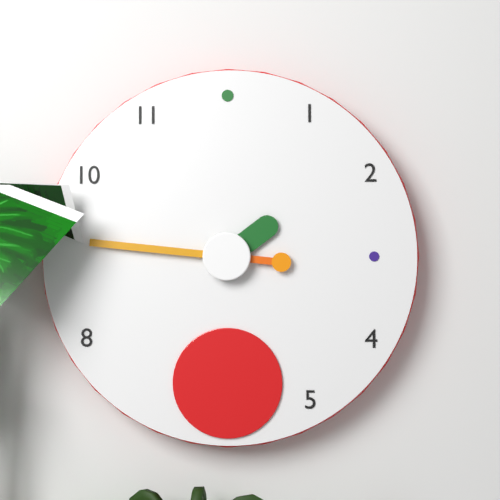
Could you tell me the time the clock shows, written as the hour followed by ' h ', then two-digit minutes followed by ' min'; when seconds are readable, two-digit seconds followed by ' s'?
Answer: 1 h 46 min
